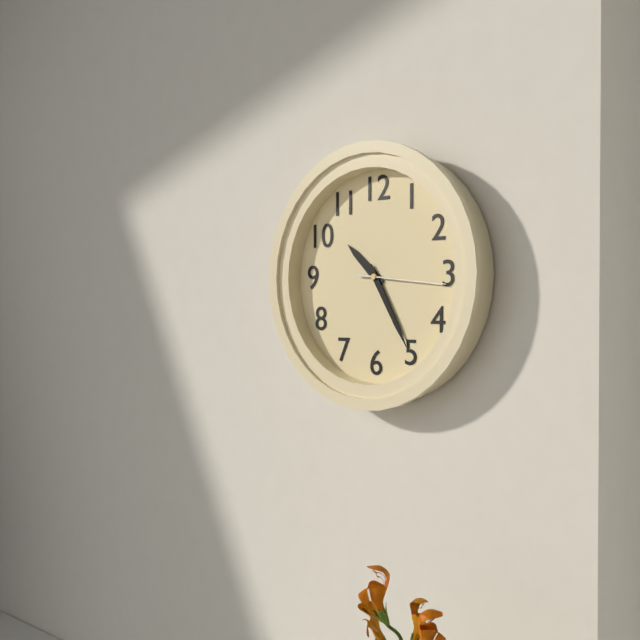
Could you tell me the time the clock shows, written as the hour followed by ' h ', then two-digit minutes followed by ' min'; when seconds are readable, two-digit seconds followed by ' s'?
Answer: 10 h 25 min 16 s
